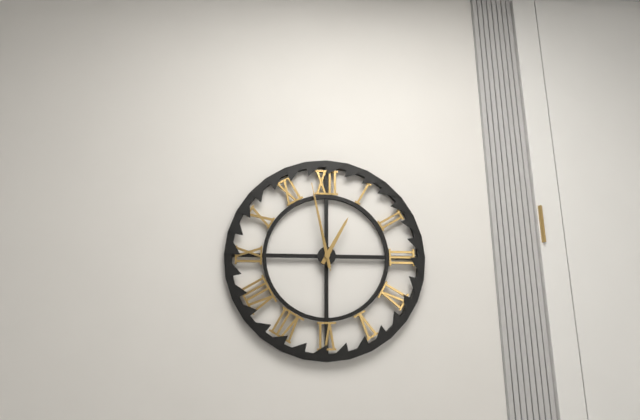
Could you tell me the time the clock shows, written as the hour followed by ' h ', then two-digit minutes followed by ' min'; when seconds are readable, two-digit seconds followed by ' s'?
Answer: 12 h 58 min 58 s
